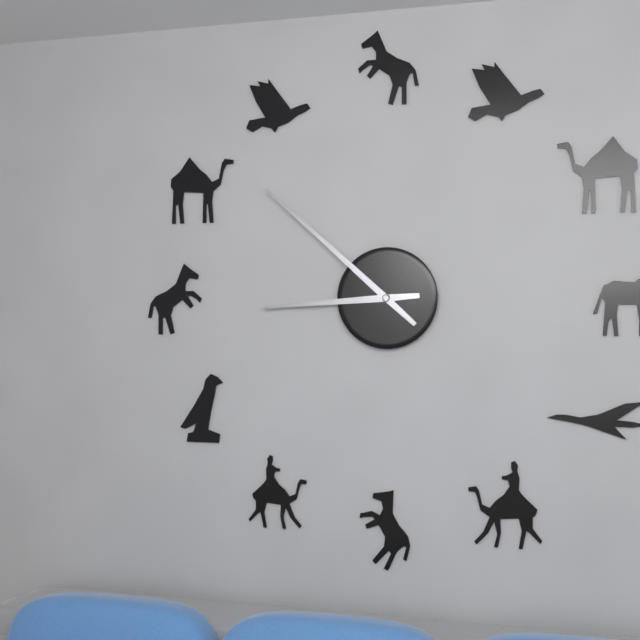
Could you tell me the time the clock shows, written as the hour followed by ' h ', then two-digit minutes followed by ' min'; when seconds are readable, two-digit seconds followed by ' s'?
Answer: 8 h 52 min
